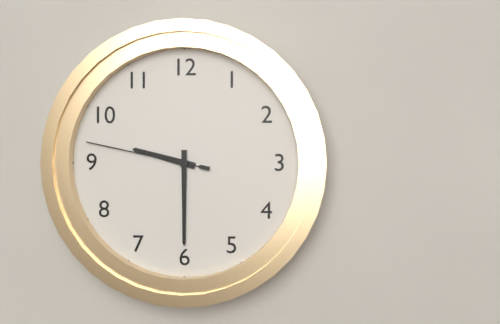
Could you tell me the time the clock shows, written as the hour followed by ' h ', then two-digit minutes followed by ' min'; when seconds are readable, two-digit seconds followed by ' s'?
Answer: 9 h 30 min 47 s
